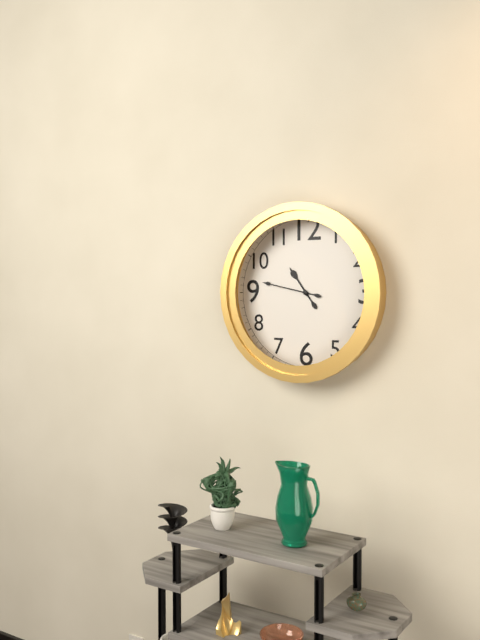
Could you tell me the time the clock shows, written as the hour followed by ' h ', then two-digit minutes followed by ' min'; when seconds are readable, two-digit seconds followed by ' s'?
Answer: 10 h 47 min
